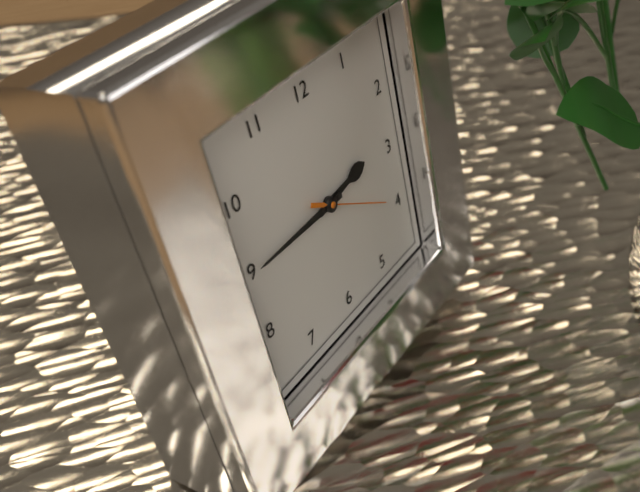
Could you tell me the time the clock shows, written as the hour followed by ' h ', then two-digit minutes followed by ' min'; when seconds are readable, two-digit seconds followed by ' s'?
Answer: 2 h 45 min 20 s
